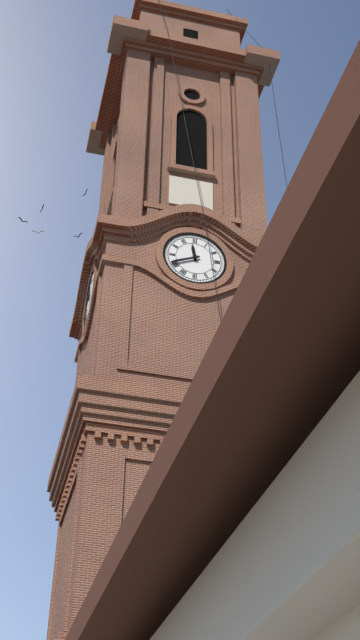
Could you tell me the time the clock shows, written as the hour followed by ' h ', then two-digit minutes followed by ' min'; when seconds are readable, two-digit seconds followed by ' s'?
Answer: 11 h 41 min
